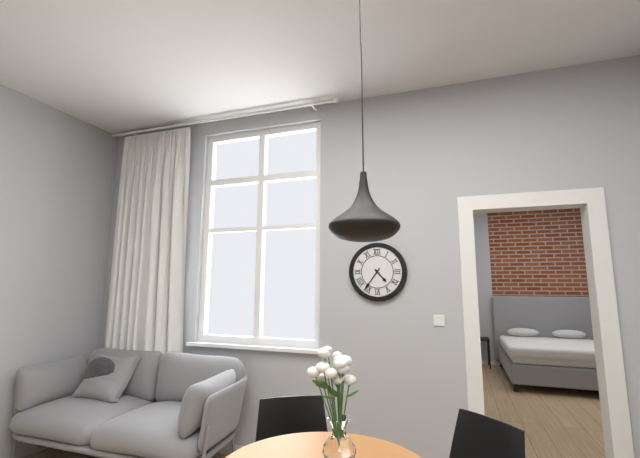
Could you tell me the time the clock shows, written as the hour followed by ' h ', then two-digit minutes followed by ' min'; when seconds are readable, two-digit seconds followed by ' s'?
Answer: 4 h 36 min
